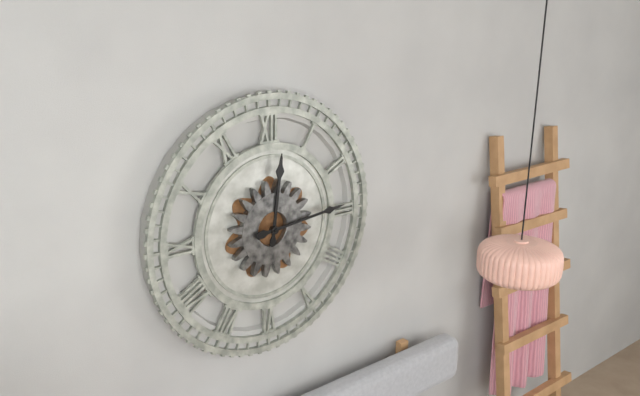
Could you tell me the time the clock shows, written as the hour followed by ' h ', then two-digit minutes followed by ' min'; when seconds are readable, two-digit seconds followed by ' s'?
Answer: 12 h 14 min
